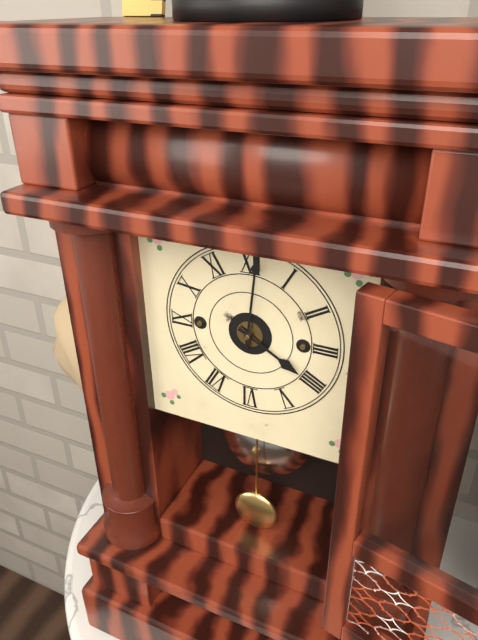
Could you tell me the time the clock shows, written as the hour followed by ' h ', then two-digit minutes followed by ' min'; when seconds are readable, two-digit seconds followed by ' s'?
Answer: 4 h 01 min
